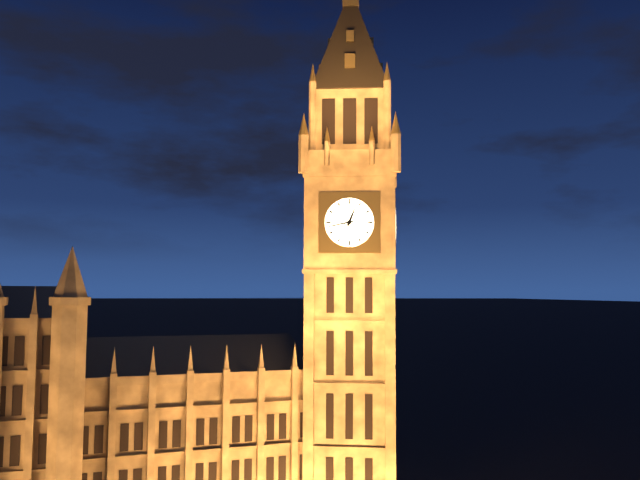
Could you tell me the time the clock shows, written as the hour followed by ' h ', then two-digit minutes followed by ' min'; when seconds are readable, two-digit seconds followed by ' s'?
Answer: 12 h 43 min
